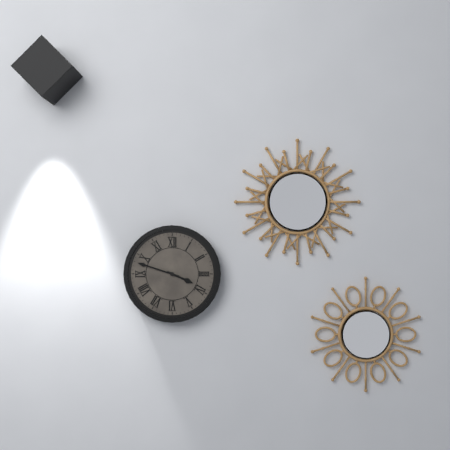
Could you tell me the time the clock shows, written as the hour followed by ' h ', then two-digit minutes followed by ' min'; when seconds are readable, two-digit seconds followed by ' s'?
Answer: 3 h 48 min
